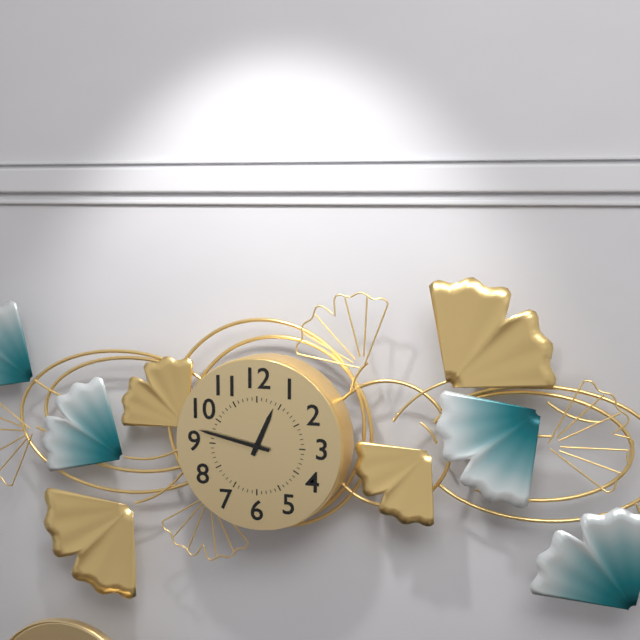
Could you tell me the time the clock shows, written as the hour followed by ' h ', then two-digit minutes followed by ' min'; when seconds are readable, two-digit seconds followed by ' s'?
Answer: 12 h 47 min
